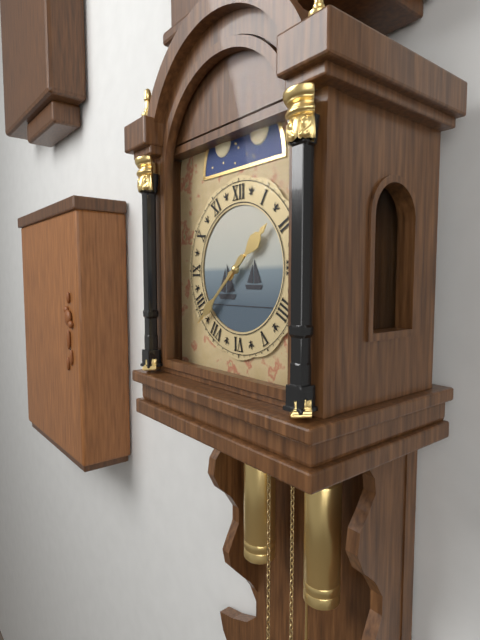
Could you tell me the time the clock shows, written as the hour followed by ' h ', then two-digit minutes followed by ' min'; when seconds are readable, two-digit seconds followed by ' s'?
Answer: 1 h 38 min
